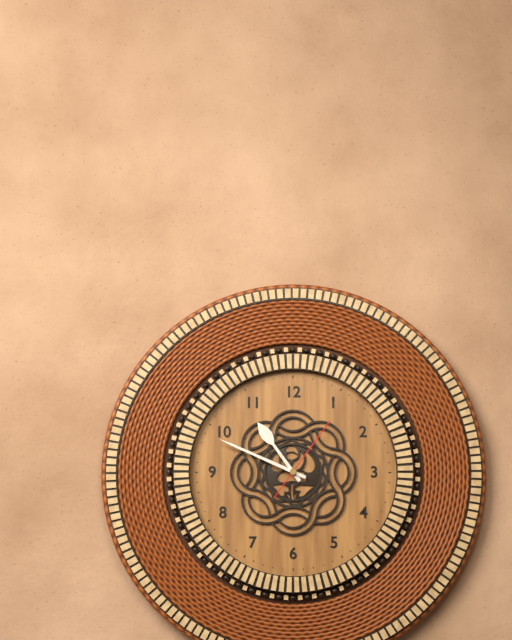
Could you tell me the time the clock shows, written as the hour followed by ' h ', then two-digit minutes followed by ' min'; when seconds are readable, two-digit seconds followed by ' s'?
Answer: 10 h 49 min 06 s
